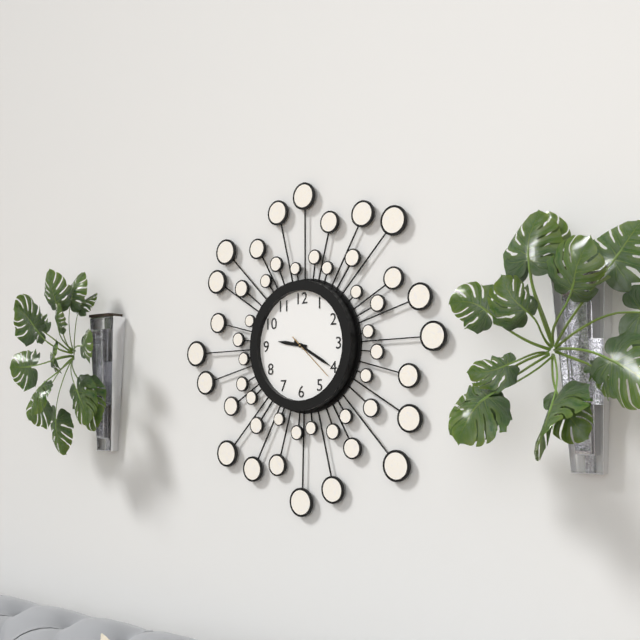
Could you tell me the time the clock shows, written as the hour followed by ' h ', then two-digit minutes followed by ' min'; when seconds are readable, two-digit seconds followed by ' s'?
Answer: 9 h 20 min 22 s
